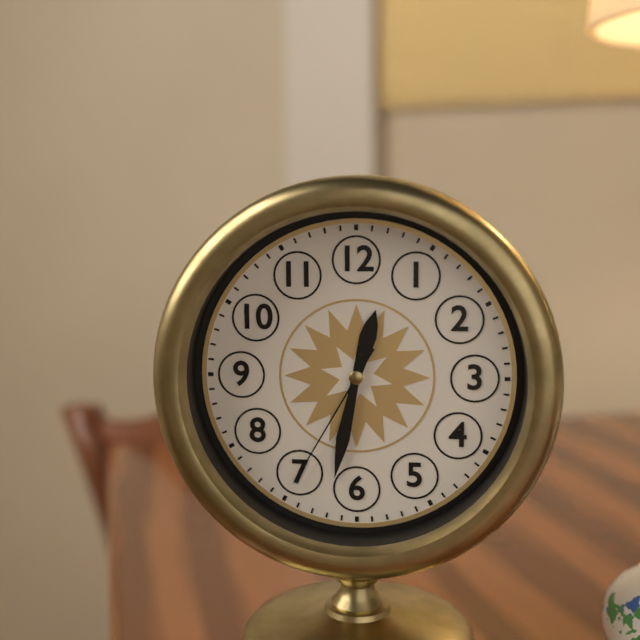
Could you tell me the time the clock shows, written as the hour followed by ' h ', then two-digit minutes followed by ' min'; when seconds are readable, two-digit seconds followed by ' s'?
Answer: 12 h 32 min 35 s
